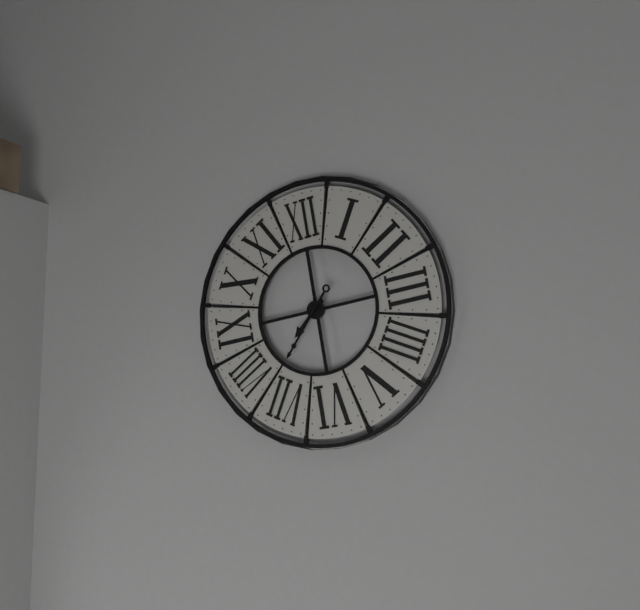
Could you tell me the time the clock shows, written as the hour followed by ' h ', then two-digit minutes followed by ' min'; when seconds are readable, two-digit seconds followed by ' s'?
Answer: 7 h 37 min
